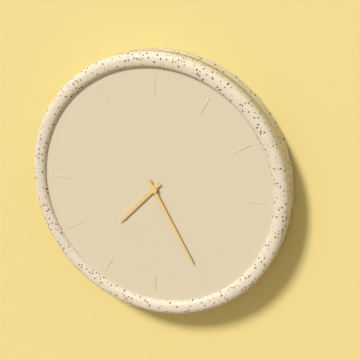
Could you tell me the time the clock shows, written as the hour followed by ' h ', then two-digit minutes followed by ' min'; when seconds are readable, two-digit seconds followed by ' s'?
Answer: 7 h 25 min
